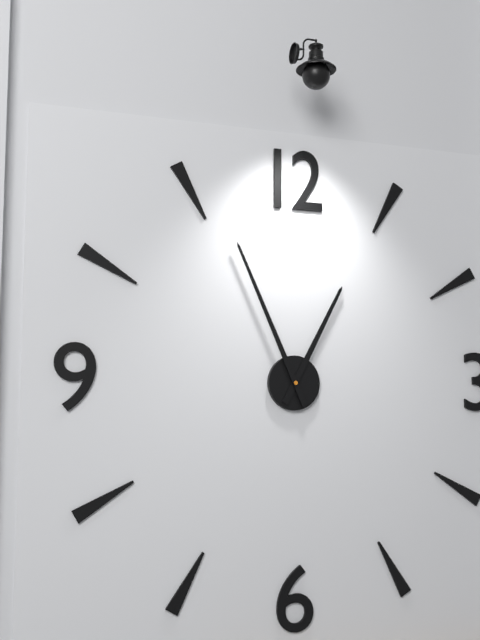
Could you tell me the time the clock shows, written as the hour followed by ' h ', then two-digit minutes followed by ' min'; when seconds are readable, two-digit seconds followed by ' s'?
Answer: 12 h 56 min
